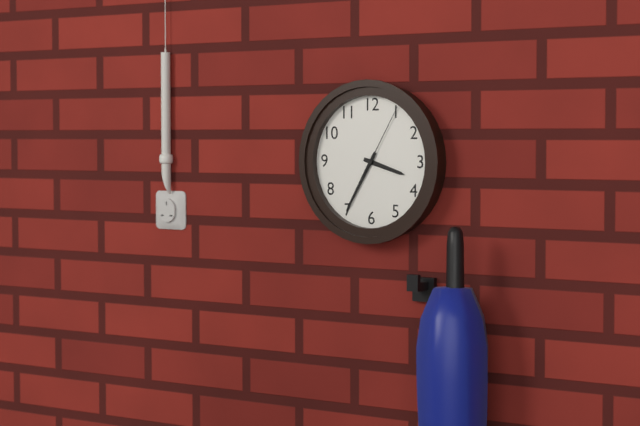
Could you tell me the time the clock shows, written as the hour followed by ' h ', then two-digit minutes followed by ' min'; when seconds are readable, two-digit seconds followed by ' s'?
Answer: 3 h 35 min 05 s
